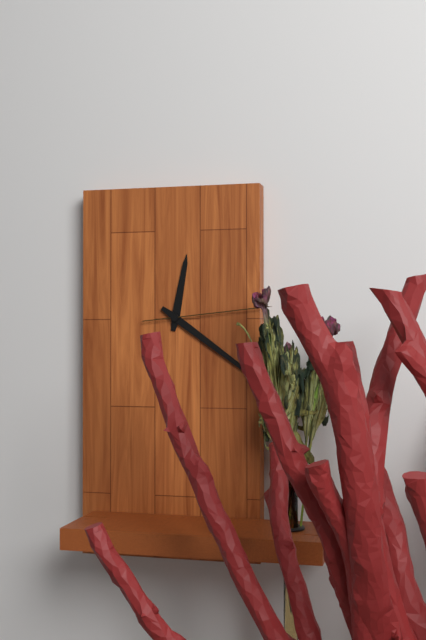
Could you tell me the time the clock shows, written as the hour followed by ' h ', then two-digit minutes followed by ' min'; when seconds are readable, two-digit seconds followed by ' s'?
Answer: 12 h 21 min 14 s
